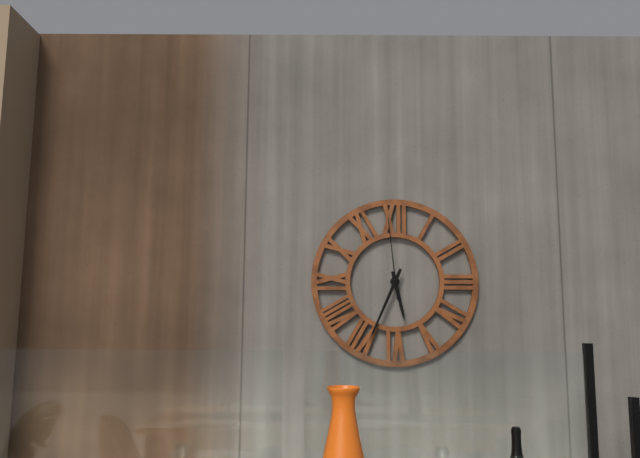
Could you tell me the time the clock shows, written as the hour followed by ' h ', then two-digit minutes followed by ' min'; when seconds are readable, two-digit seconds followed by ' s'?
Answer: 5 h 34 min 59 s
